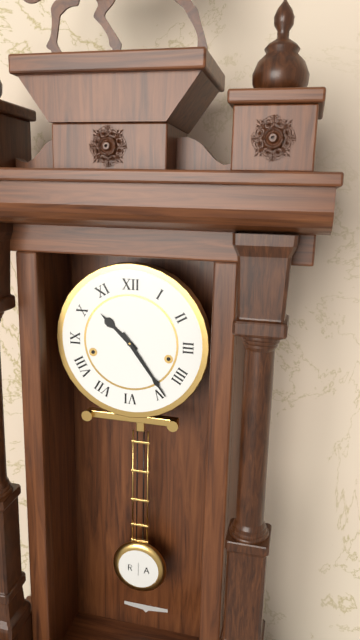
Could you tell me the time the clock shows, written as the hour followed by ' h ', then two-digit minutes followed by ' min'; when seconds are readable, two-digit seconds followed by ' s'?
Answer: 10 h 24 min
